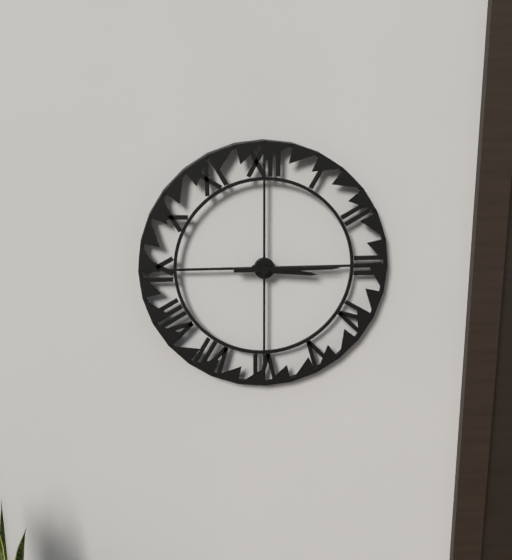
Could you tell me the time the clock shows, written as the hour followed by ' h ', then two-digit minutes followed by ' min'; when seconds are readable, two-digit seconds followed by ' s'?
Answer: 3 h 15 min
